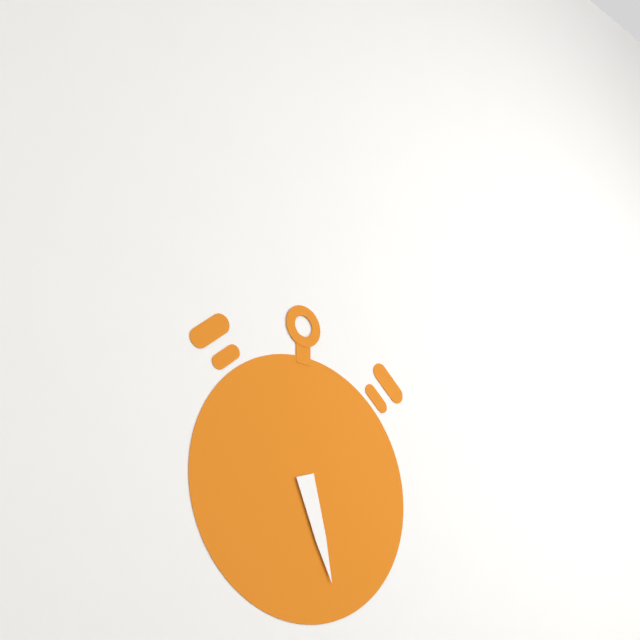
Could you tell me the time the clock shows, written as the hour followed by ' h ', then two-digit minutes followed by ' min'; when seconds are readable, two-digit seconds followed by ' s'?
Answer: 5 h 27 min
